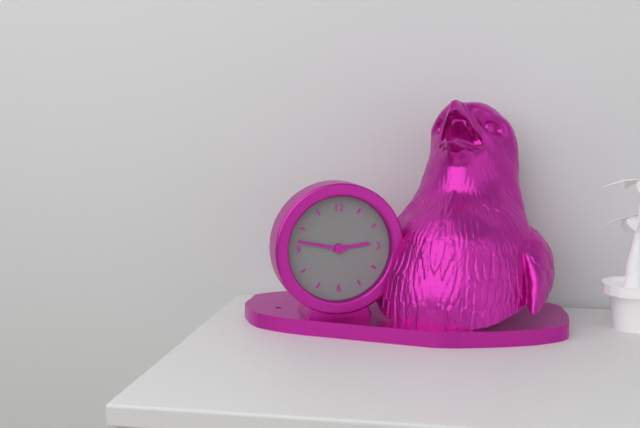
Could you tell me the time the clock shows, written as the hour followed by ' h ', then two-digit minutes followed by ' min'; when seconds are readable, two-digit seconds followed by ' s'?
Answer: 2 h 47 min
